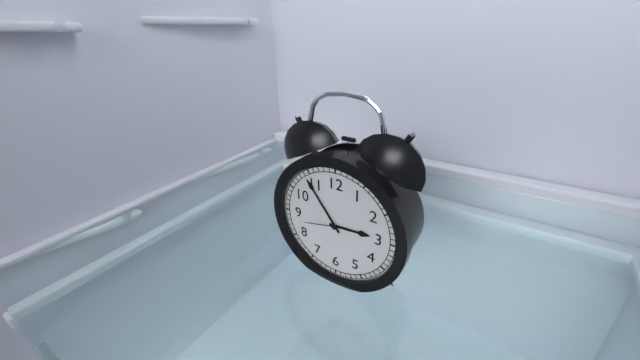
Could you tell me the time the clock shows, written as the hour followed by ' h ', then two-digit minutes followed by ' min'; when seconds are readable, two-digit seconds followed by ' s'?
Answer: 2 h 54 min
